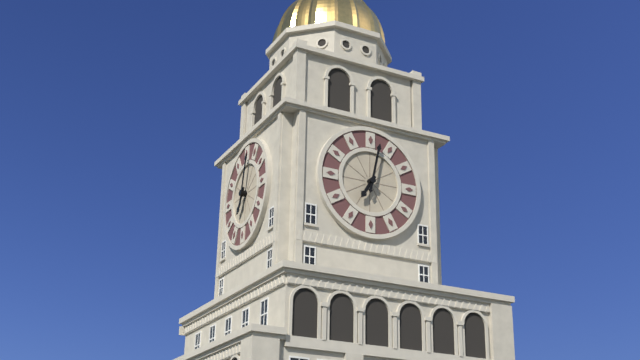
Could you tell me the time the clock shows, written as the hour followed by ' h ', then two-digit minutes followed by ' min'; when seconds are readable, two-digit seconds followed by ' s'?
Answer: 7 h 02 min
